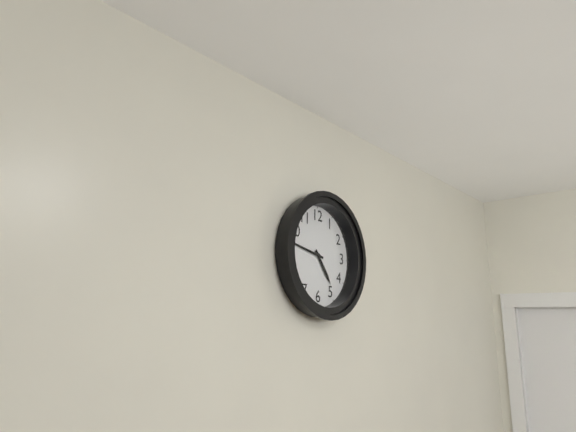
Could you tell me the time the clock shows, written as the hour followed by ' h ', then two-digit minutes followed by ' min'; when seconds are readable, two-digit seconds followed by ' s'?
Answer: 4 h 47 min
